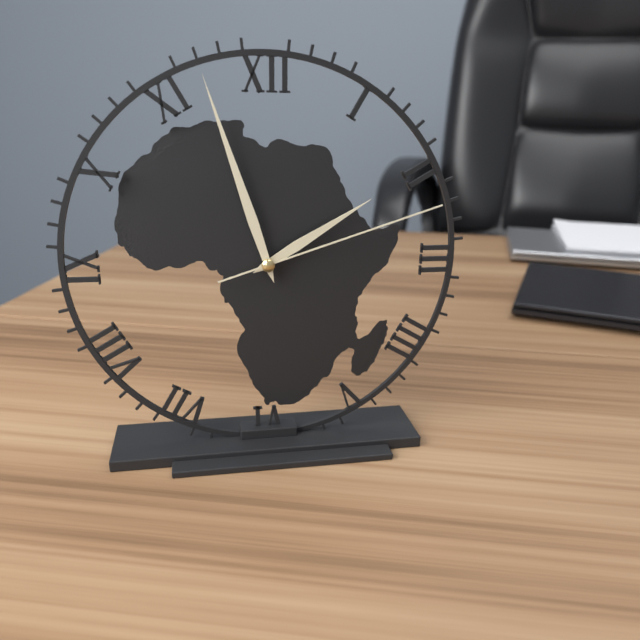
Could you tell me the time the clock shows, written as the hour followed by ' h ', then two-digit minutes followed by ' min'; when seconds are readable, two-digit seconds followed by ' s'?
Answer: 1 h 57 min 12 s
